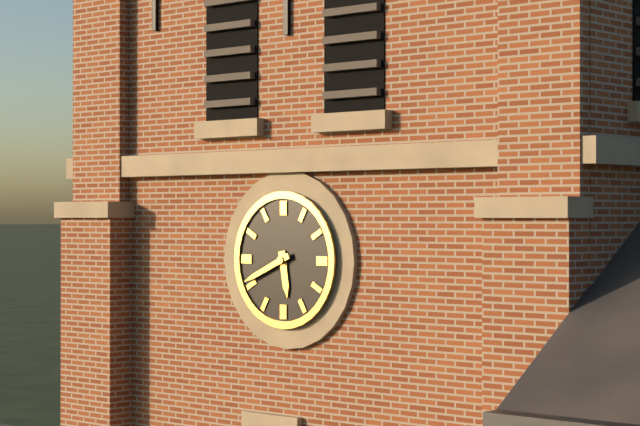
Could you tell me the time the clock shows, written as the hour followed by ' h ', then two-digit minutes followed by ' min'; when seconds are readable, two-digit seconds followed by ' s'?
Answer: 5 h 41 min
